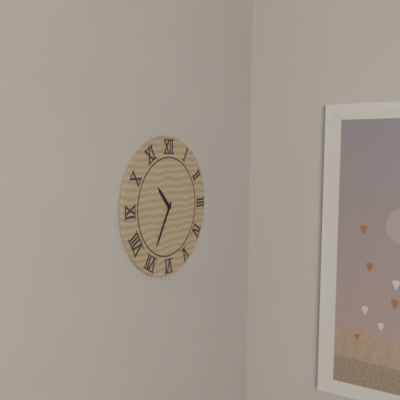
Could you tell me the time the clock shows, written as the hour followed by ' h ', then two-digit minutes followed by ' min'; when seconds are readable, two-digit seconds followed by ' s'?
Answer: 10 h 35 min
